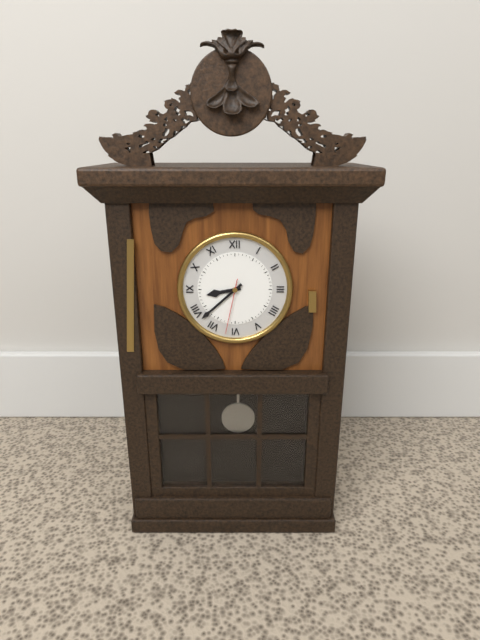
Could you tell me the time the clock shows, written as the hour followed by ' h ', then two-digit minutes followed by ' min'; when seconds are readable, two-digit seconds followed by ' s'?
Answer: 8 h 38 min 32 s
